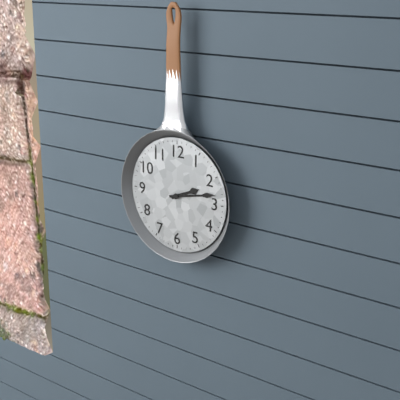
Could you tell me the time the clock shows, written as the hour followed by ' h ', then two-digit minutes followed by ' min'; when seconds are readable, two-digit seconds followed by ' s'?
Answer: 2 h 13 min
